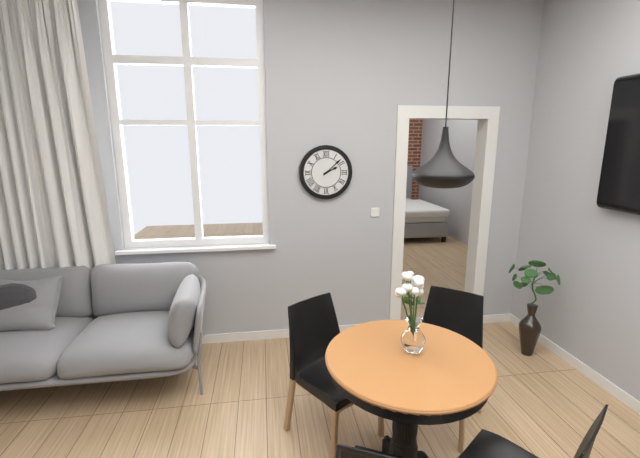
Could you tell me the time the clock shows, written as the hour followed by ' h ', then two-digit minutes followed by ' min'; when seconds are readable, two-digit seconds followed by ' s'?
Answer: 2 h 08 min
